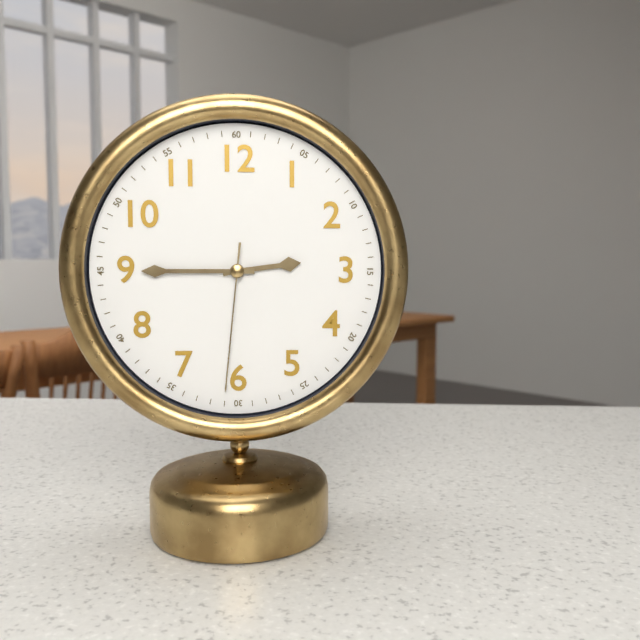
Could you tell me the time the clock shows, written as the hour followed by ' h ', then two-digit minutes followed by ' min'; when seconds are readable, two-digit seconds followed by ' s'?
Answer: 2 h 45 min 31 s
